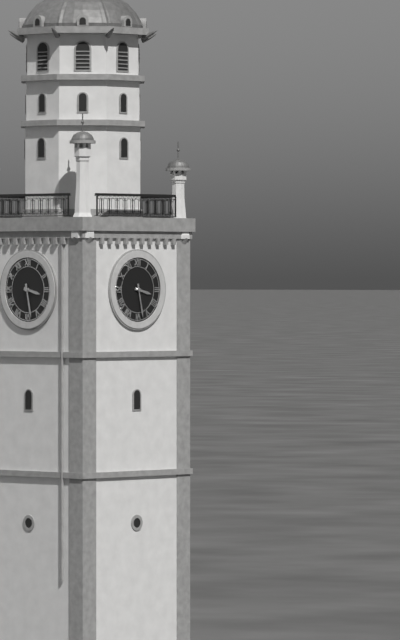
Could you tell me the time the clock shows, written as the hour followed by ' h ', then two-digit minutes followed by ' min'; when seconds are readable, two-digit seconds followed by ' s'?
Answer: 3 h 28 min
